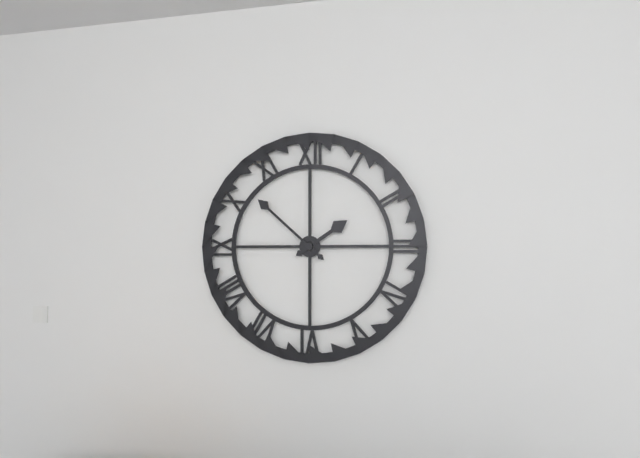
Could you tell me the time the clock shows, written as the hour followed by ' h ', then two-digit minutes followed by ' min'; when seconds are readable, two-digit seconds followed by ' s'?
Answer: 1 h 52 min
